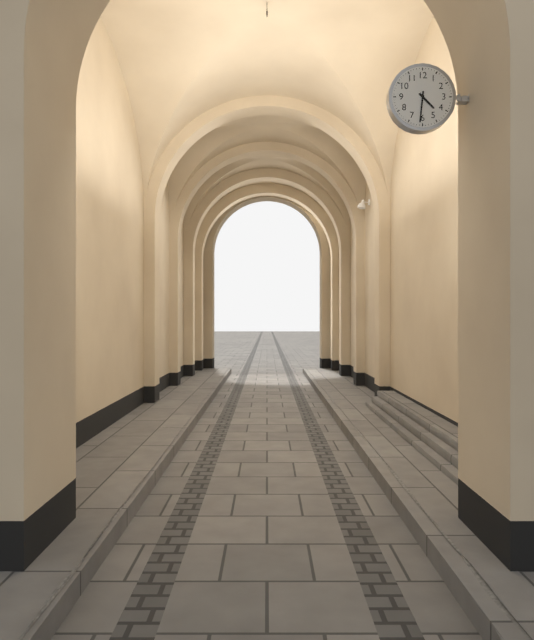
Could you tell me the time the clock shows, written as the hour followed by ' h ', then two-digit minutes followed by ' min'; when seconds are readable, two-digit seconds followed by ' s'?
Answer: 4 h 31 min
